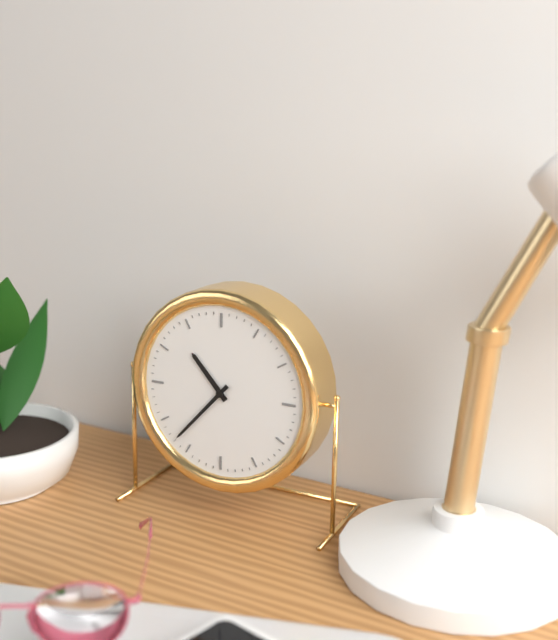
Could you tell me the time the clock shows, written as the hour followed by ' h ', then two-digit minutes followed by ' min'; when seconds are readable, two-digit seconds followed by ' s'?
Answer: 10 h 37 min
